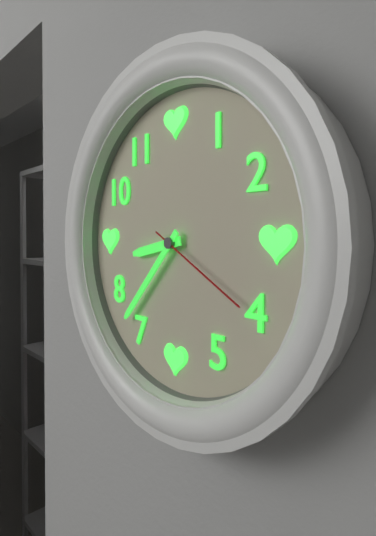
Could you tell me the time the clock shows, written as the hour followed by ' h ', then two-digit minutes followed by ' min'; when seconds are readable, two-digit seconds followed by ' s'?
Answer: 8 h 37 min 20 s
